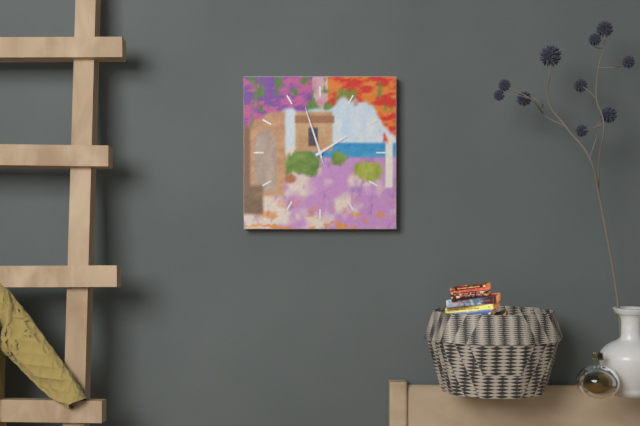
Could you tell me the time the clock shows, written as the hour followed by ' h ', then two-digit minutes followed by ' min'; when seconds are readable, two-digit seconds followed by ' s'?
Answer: 1 h 57 min 57 s
